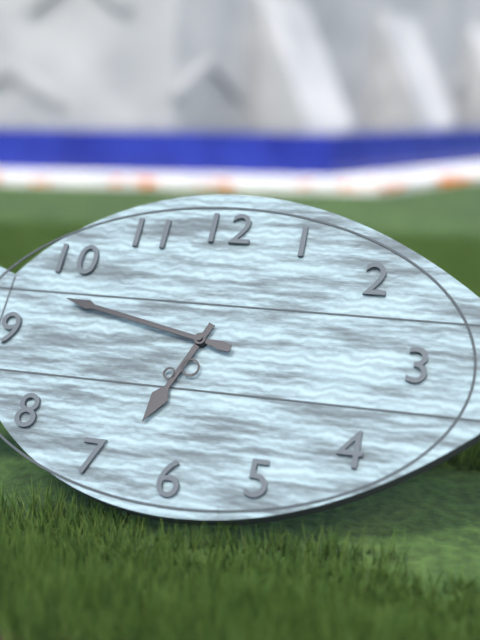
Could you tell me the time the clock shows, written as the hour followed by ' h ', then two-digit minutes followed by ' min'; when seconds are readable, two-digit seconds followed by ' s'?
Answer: 6 h 47 min
